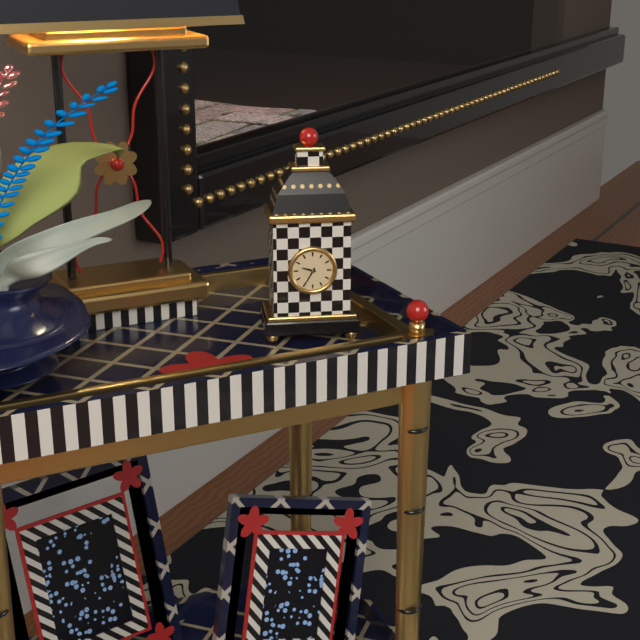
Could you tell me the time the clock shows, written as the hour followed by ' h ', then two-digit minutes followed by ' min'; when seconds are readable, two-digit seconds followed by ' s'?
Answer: 9 h 35 min
